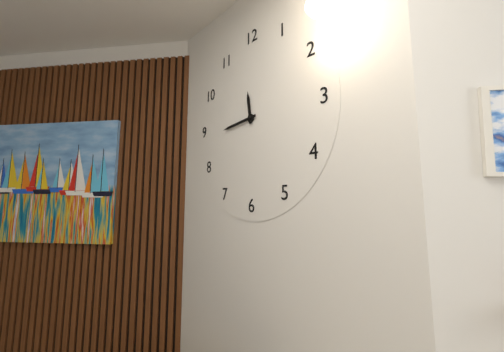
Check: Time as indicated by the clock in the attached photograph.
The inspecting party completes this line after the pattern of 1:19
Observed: 11:44
